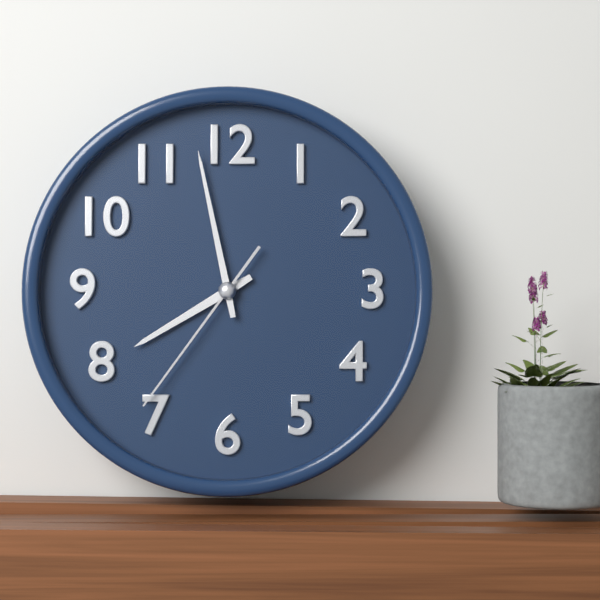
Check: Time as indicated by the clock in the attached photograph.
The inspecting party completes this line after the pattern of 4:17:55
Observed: 7:58:36
